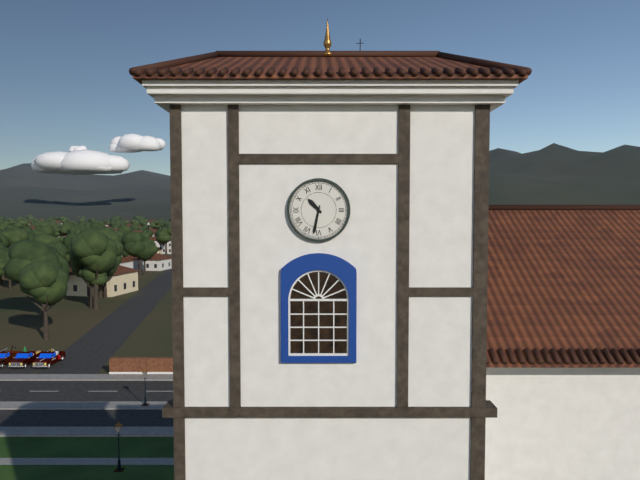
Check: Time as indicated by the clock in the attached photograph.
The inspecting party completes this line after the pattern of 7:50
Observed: 10:32
